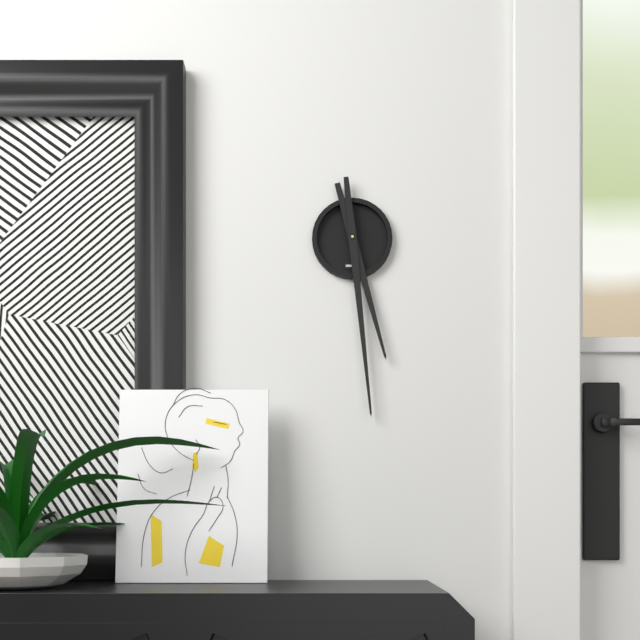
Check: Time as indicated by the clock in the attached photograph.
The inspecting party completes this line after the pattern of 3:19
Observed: 5:29
